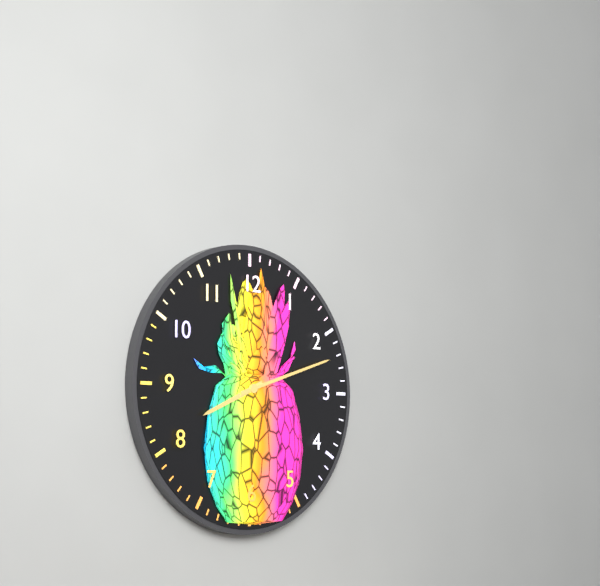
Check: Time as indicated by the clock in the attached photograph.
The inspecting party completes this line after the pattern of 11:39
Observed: 8:12
